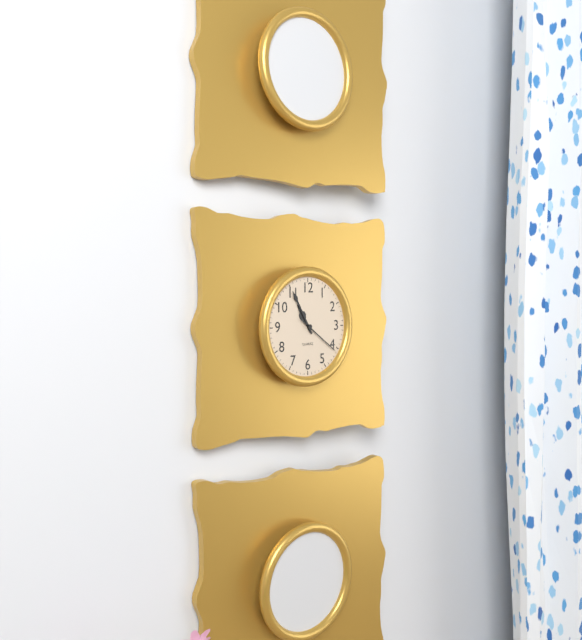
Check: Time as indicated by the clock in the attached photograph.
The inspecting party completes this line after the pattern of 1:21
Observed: 10:55
